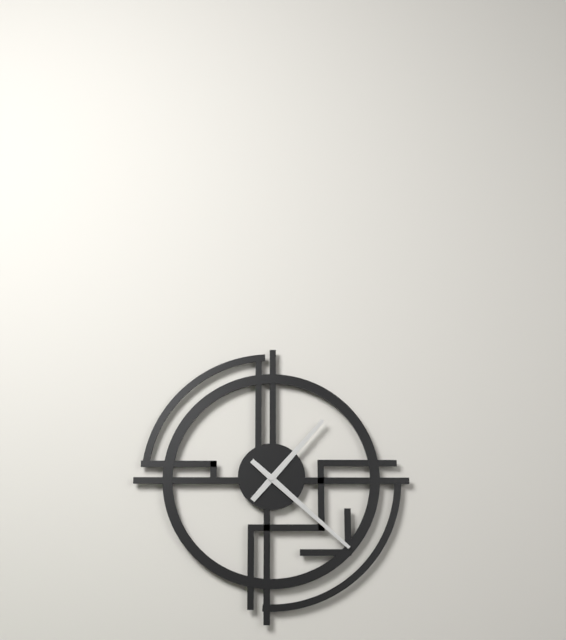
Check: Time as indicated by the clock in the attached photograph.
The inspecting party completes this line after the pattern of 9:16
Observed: 1:22
